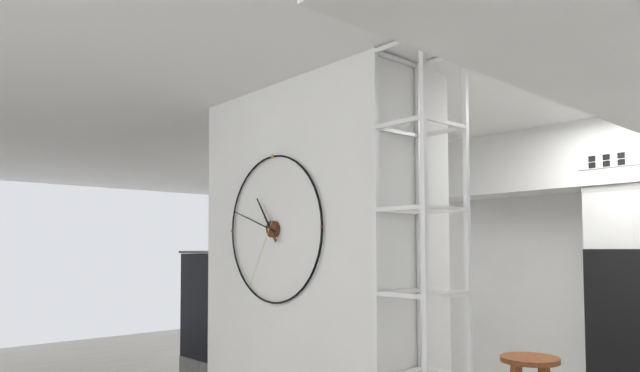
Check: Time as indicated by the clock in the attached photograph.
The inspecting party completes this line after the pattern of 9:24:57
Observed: 10:48:35
